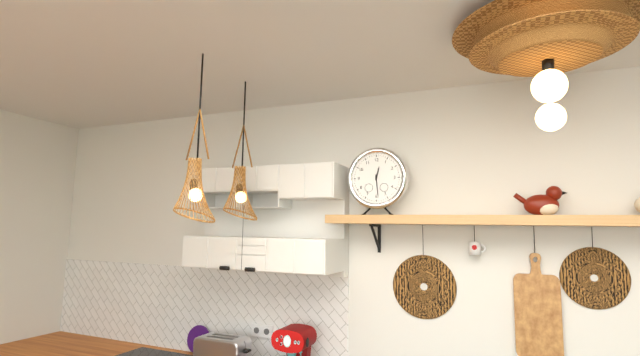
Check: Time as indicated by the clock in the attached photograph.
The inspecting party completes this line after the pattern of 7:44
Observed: 12:29
